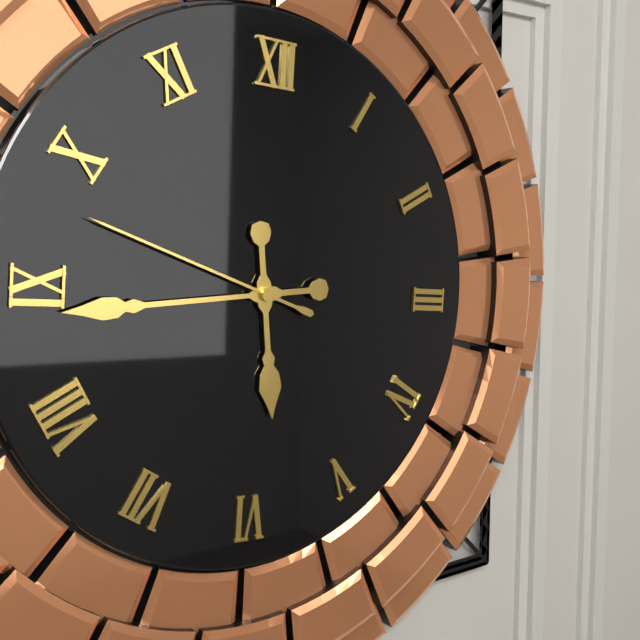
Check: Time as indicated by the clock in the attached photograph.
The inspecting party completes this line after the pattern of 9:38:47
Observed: 5:44:48
